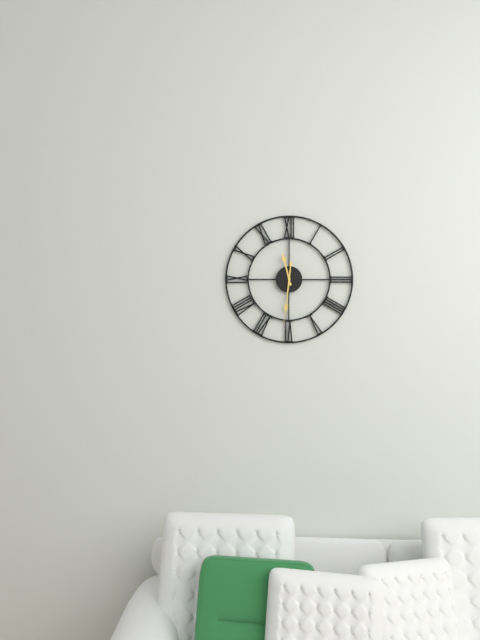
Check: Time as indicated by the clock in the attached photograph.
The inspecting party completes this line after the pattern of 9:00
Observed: 11:31
